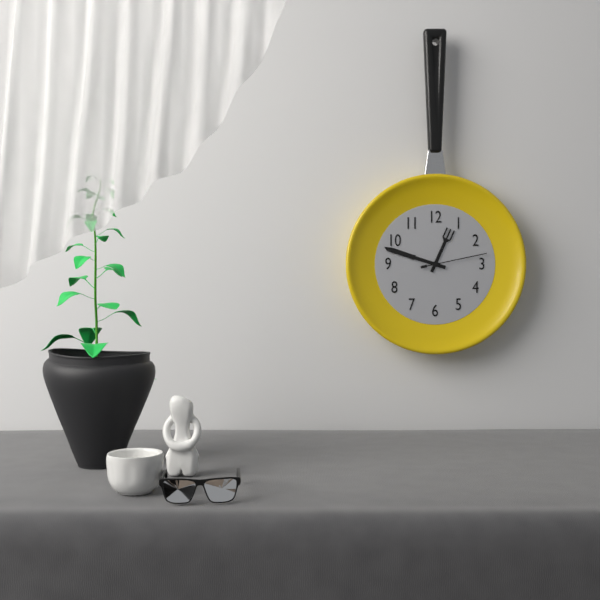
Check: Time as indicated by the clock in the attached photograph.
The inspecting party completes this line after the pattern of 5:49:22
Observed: 12:48:13
